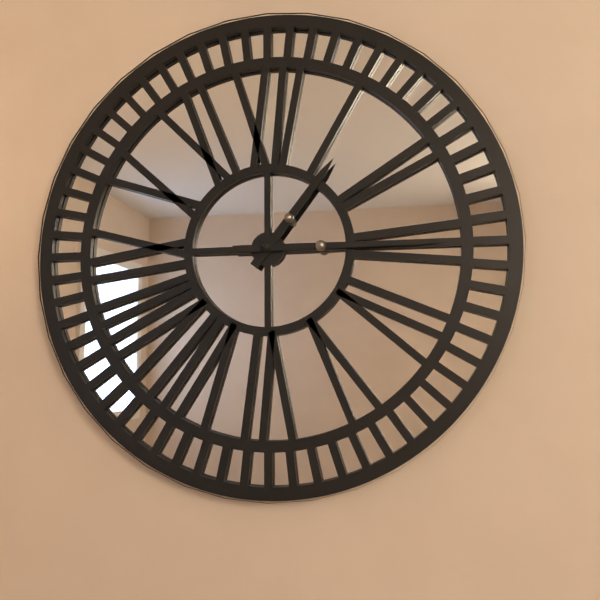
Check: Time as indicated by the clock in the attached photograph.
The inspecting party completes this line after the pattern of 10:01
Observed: 1:15
